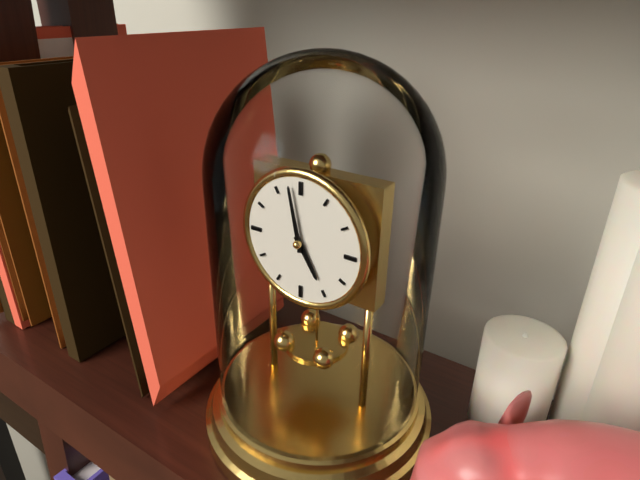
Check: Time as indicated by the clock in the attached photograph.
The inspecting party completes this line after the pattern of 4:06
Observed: 4:58
